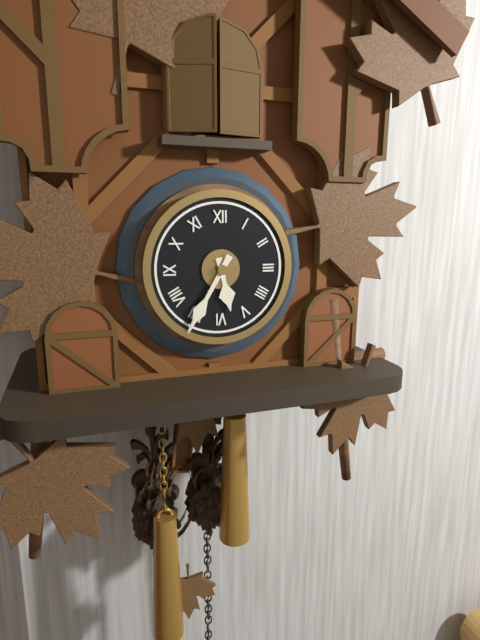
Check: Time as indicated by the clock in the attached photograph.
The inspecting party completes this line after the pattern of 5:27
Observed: 5:35
